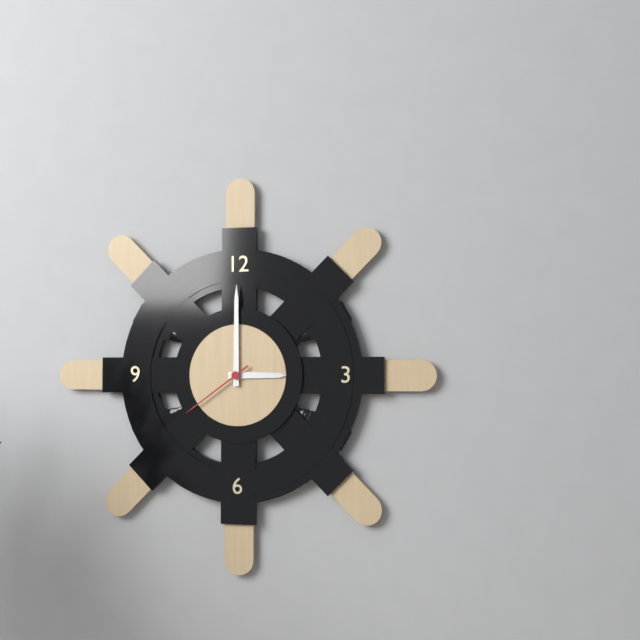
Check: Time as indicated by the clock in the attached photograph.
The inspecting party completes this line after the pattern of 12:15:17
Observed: 3:00:39
